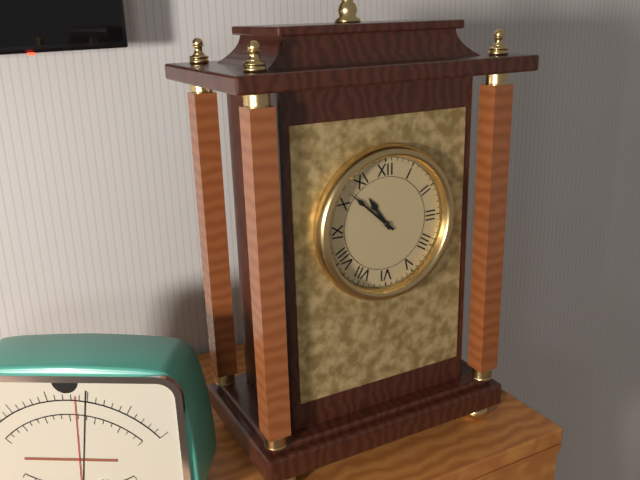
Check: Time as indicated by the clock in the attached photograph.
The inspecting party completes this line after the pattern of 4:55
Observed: 10:52
